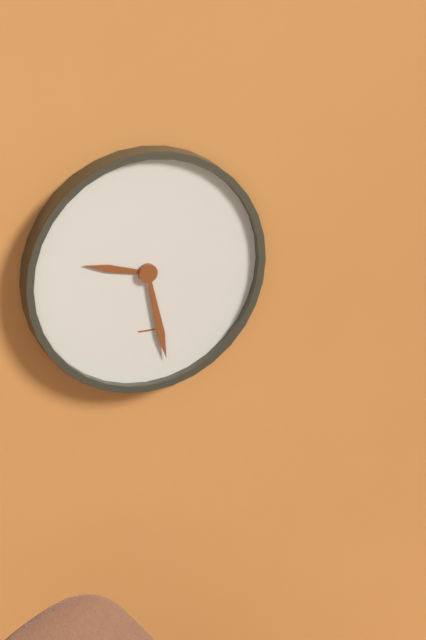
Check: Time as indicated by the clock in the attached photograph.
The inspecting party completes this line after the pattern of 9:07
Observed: 9:28
